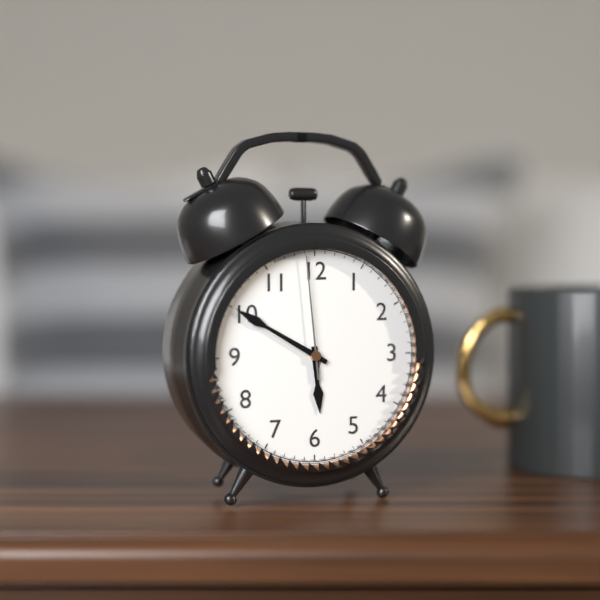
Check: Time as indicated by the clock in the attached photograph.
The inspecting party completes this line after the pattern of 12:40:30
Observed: 5:50:59
